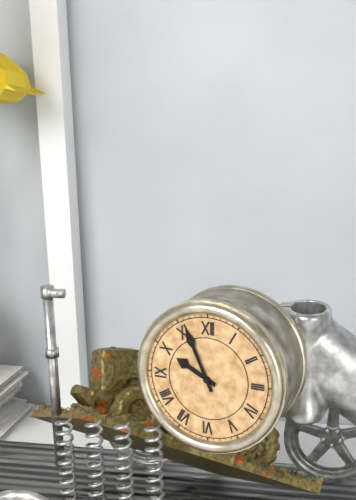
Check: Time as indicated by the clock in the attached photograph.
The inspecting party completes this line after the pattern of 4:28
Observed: 9:56
